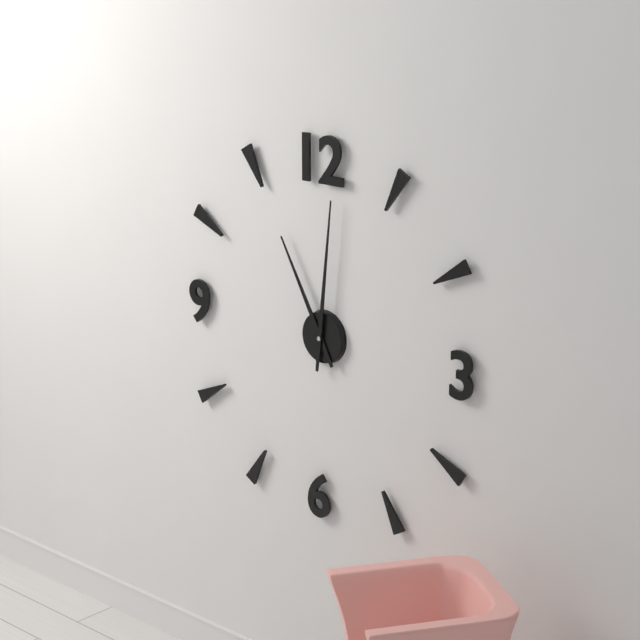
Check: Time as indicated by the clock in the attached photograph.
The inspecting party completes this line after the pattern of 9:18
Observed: 11:01
